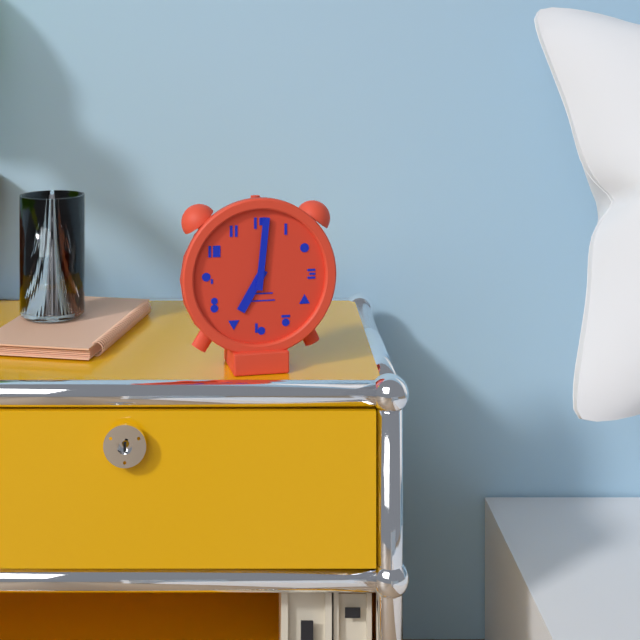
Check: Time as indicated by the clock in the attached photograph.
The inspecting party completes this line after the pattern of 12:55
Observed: 7:01
